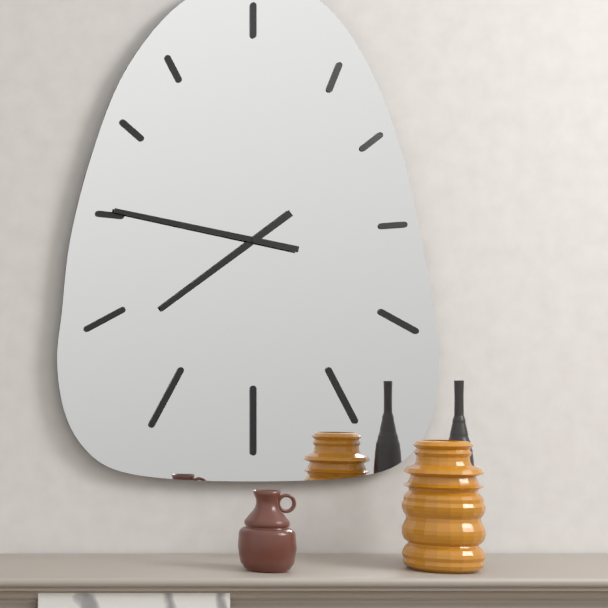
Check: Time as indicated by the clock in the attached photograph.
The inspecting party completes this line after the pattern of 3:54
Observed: 7:47
